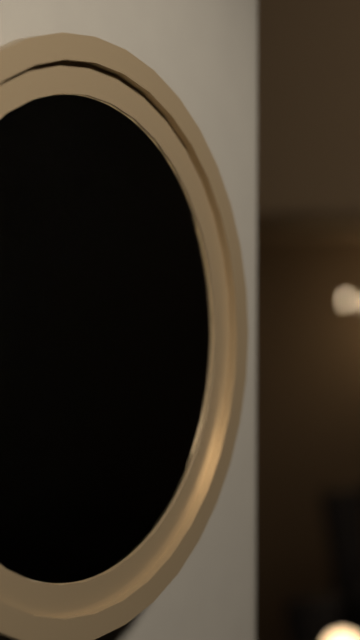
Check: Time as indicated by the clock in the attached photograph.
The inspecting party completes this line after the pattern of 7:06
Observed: 12:56
